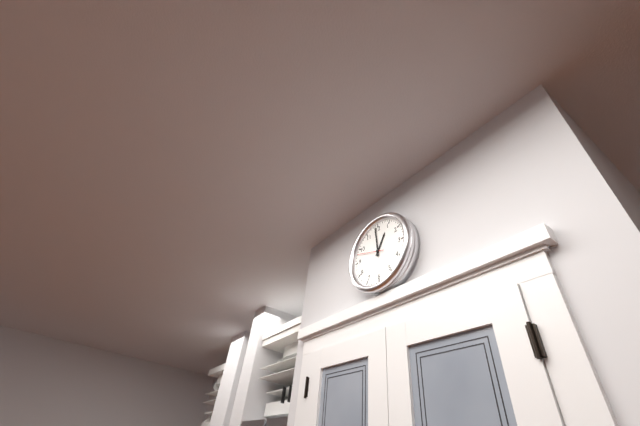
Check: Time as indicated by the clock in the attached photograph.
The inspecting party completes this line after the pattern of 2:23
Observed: 12:59
